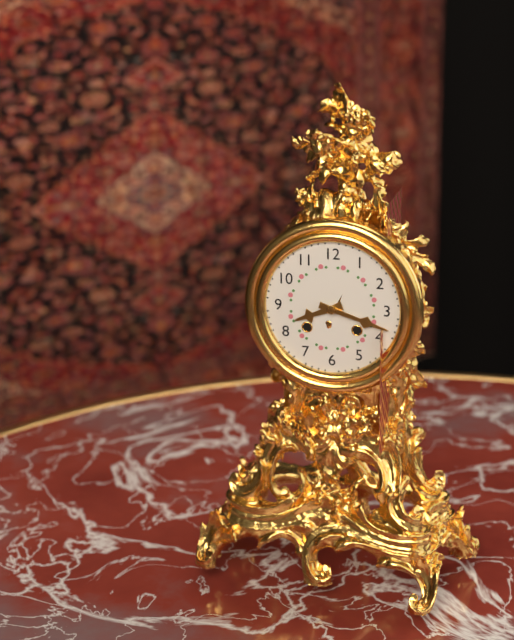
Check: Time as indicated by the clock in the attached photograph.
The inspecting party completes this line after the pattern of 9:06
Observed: 8:18
